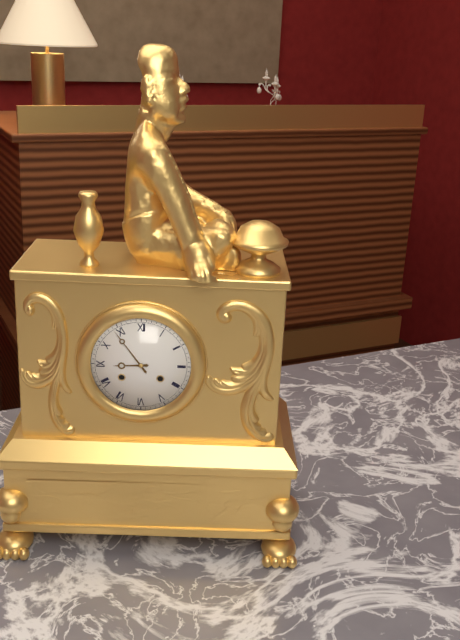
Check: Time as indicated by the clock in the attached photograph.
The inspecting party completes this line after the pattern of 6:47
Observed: 8:54
